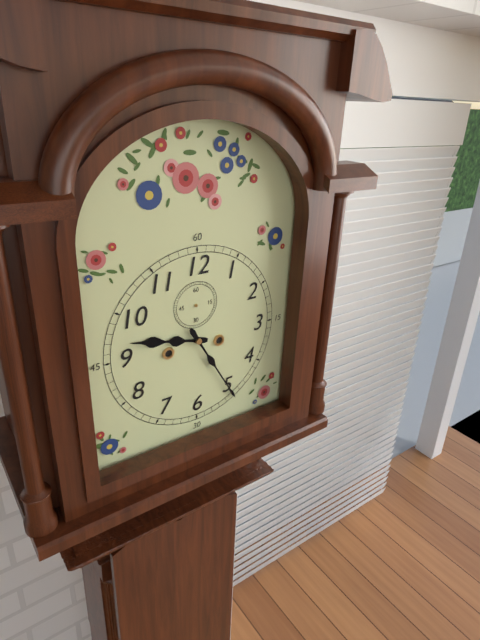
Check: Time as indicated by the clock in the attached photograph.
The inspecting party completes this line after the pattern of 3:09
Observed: 9:25
